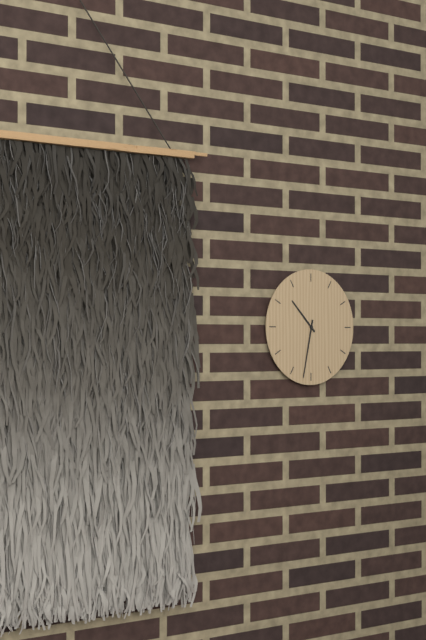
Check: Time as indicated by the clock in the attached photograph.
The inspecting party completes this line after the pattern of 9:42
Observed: 10:32
